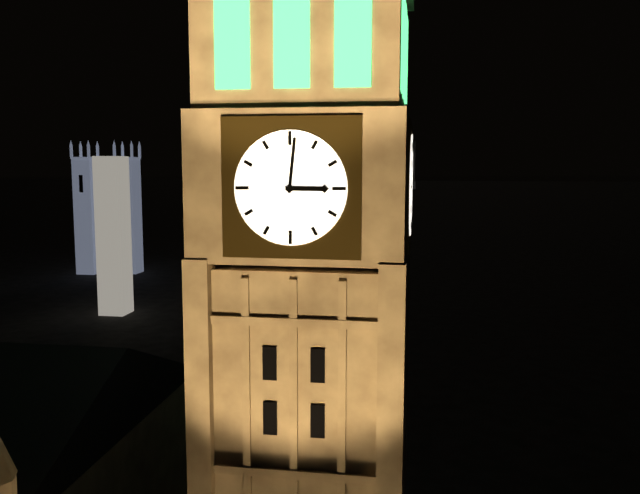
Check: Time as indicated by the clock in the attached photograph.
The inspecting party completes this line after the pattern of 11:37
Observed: 3:01
